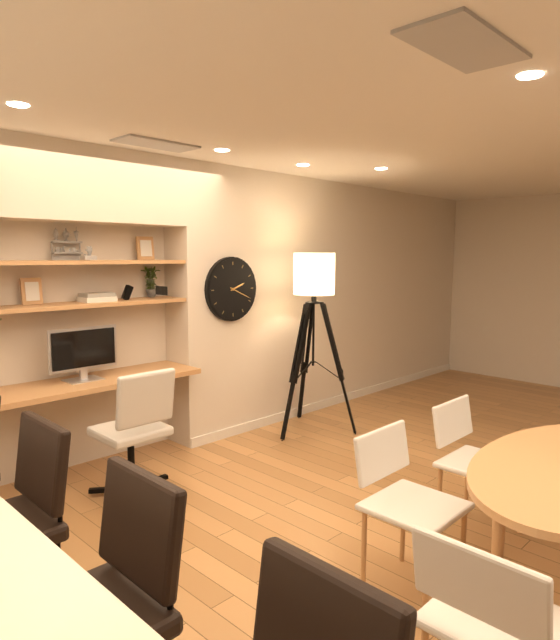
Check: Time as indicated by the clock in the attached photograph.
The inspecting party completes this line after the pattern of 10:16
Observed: 2:19
